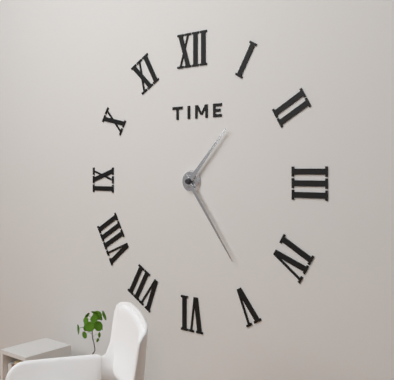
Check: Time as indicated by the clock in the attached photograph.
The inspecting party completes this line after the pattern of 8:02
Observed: 1:24
